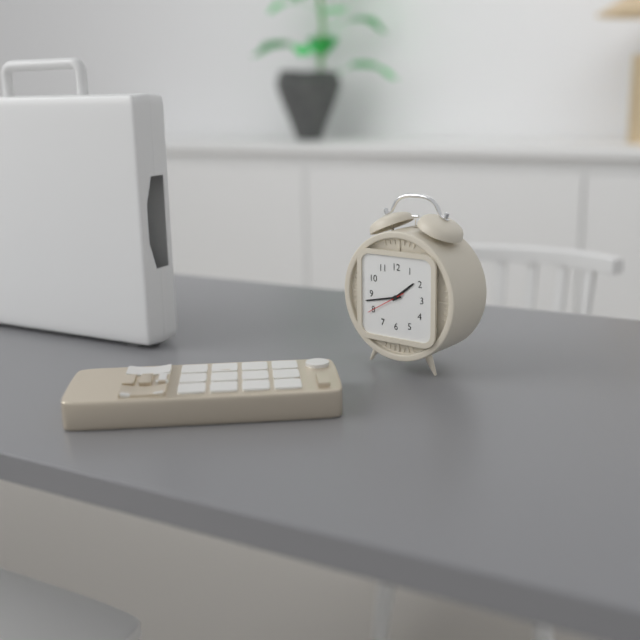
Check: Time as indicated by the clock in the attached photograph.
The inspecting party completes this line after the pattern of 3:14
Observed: 1:43
